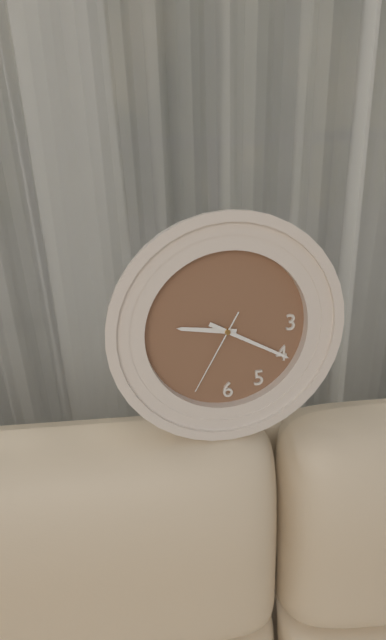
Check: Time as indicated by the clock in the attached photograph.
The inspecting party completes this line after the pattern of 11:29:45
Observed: 9:20:35
